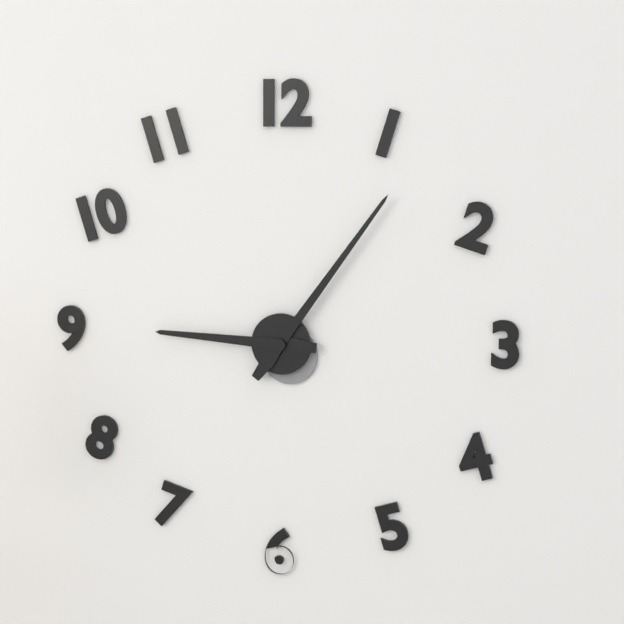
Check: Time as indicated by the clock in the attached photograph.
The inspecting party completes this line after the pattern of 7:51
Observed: 9:06
